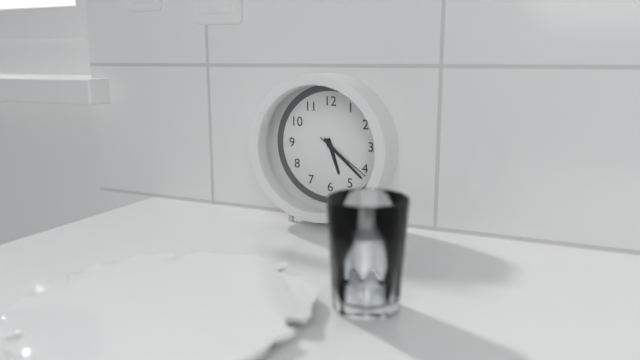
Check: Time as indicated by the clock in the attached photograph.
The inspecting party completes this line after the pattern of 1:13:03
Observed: 5:22:21
